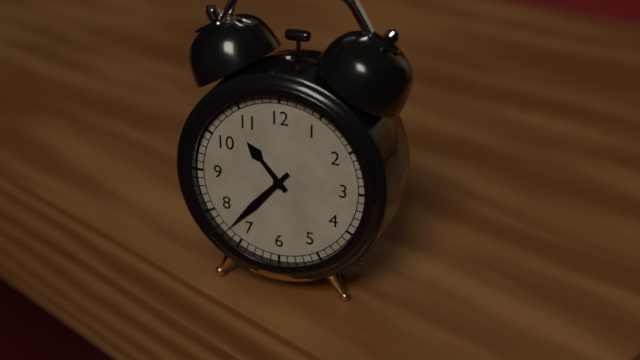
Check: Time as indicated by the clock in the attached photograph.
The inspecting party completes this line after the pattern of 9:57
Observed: 10:37
